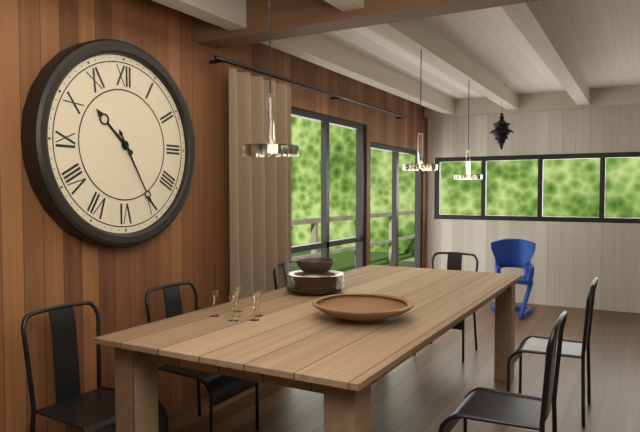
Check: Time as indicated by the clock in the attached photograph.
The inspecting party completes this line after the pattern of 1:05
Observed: 10:25
